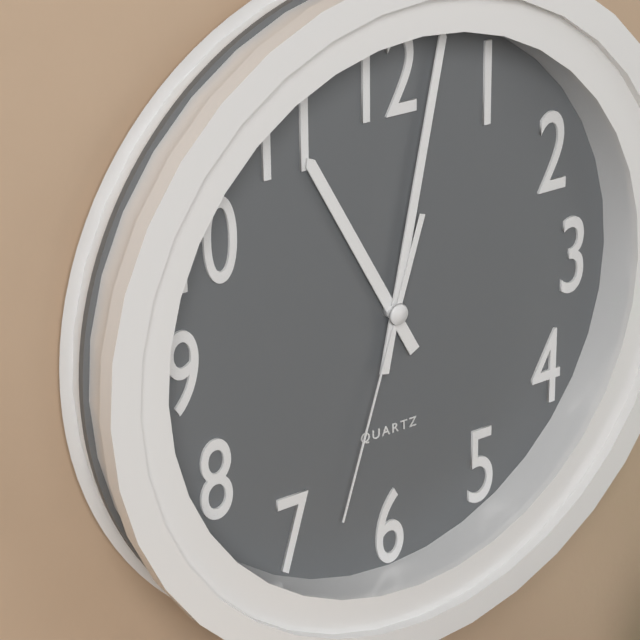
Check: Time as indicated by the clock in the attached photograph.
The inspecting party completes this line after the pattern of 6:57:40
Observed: 11:02:33
